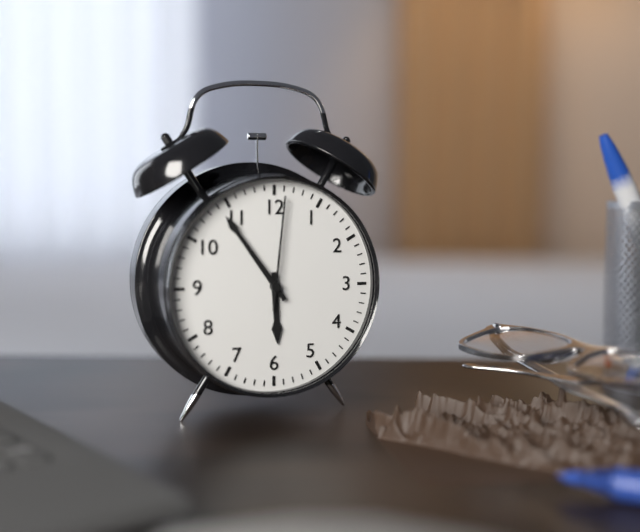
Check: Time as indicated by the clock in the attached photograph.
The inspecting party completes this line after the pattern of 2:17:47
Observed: 5:54:01
